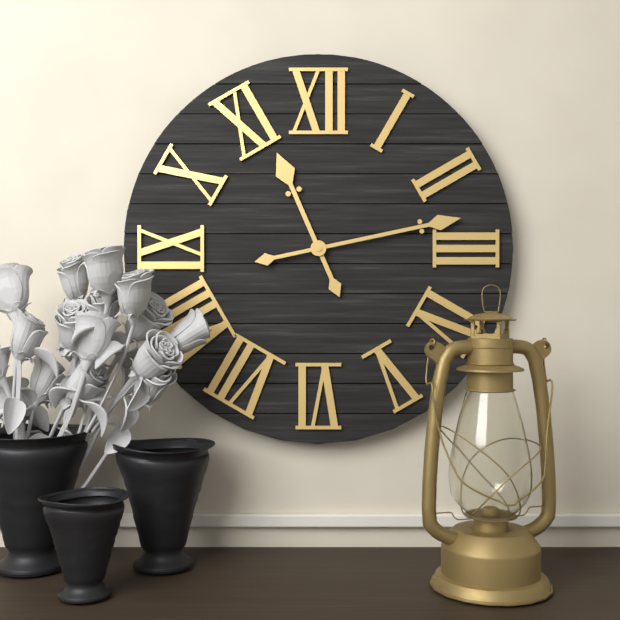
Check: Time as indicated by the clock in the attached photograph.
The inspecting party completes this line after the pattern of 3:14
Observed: 11:13
